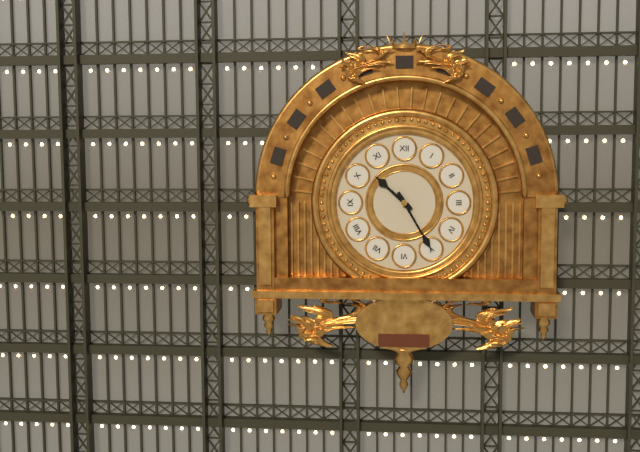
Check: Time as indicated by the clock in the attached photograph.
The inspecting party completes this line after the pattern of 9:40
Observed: 10:25
